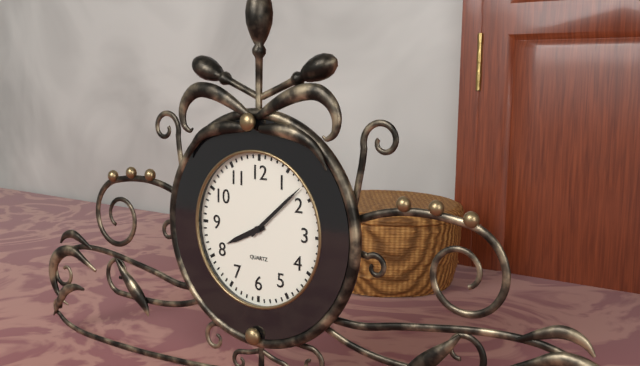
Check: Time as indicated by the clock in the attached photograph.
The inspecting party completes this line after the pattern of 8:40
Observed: 8:08
